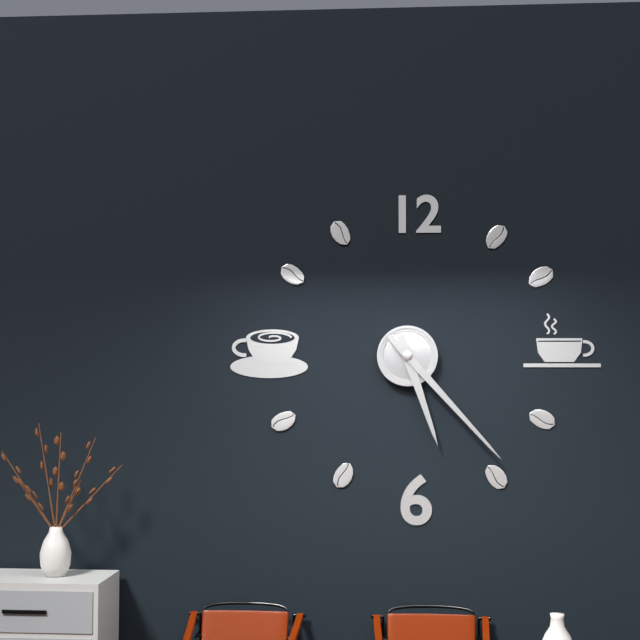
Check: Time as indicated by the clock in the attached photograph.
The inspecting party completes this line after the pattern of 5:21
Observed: 5:23
